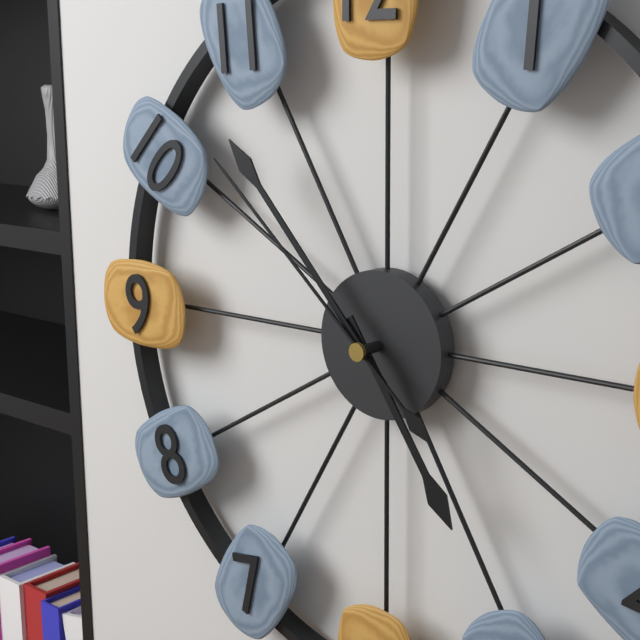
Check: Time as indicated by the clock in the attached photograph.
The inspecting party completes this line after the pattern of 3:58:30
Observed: 4:53:52
